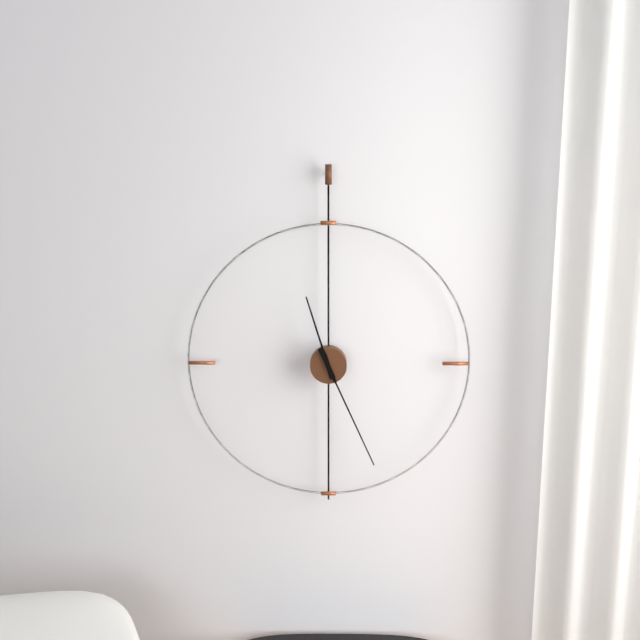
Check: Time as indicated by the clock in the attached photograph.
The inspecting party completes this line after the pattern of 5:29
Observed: 11:26
